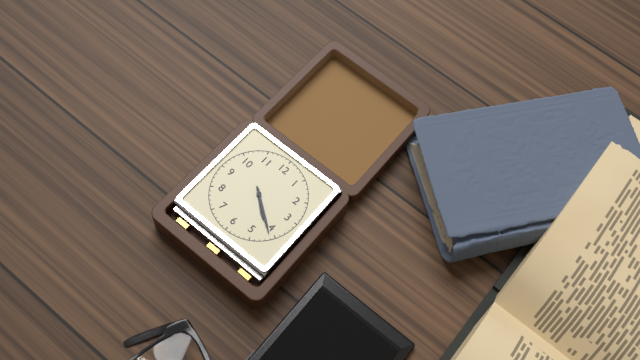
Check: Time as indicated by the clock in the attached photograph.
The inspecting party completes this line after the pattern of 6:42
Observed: 4:21
